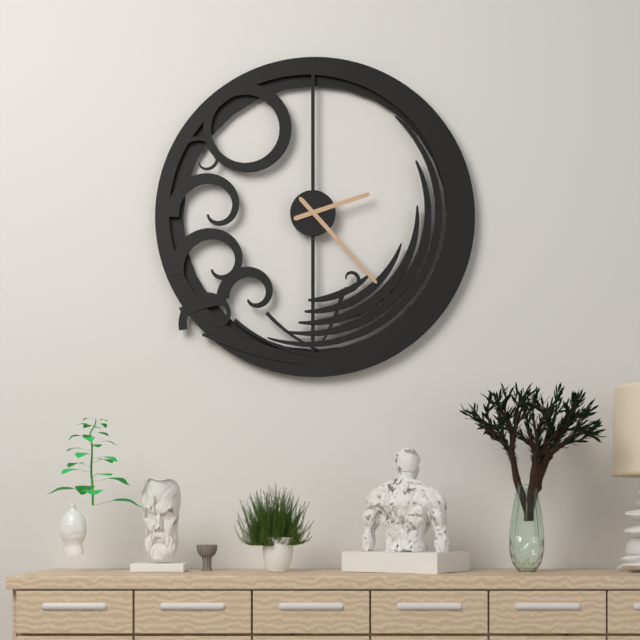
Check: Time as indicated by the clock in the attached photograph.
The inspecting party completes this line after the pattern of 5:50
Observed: 2:23
